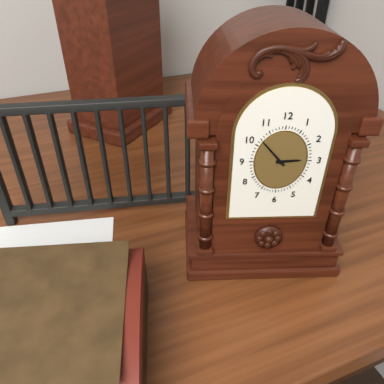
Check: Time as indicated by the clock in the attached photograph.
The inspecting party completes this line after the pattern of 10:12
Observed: 2:53
